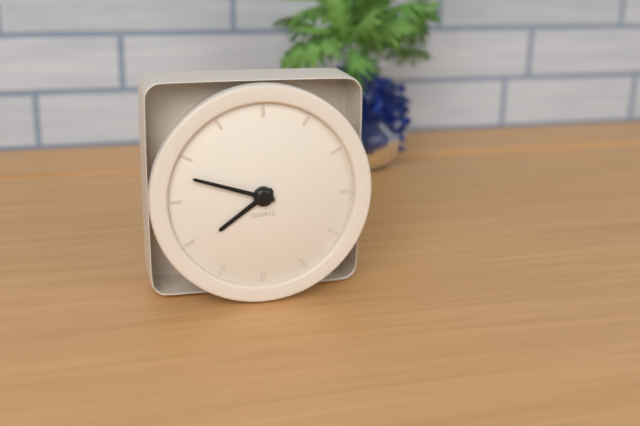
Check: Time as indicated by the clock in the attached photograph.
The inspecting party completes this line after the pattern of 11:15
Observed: 7:48
